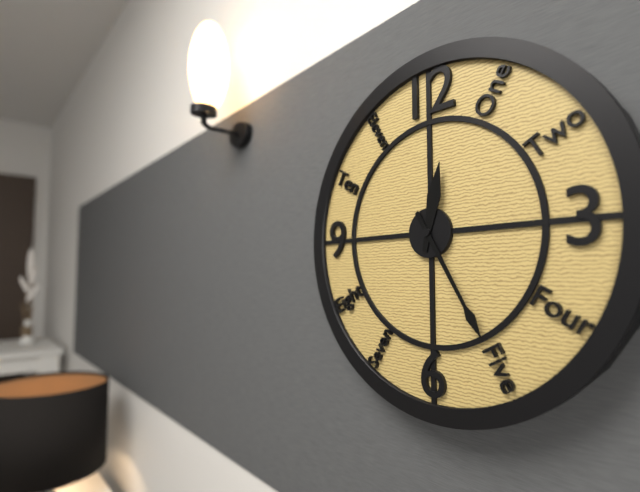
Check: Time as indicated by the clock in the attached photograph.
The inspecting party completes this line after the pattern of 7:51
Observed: 12:25
